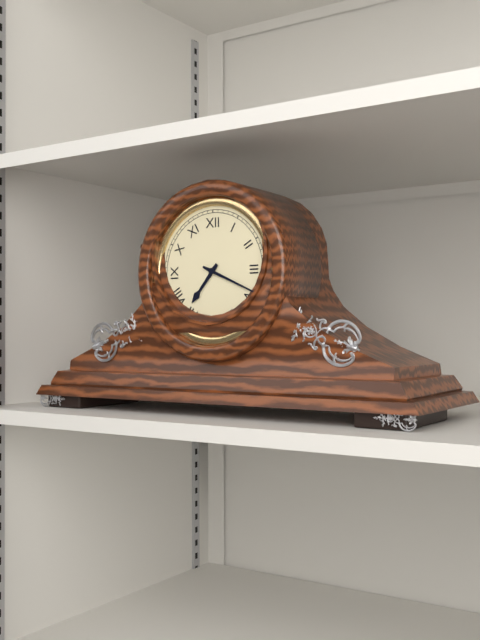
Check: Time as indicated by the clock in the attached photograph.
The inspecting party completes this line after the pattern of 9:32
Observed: 7:19
